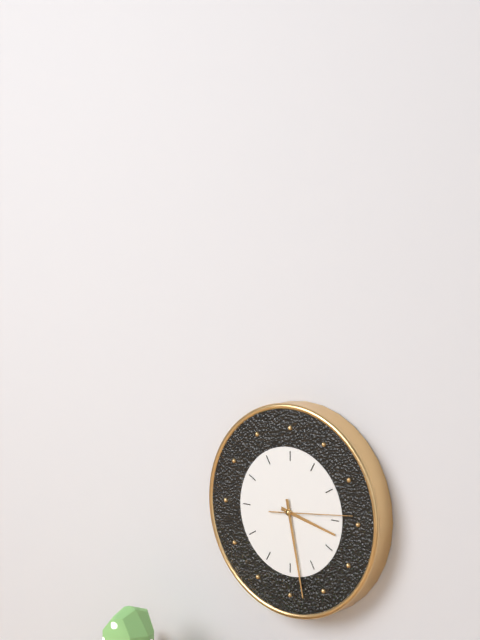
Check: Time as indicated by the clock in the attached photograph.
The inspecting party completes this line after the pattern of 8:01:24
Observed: 3:28:14
